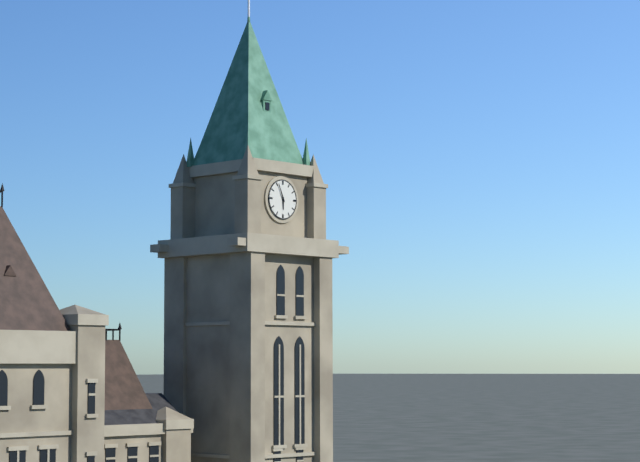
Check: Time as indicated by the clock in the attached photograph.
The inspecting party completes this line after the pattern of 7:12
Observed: 5:56
